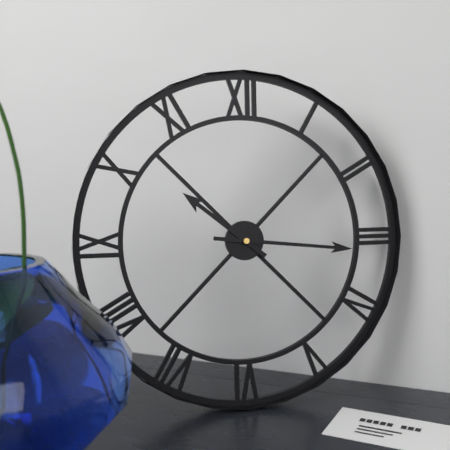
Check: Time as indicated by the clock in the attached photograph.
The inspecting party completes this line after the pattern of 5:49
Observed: 10:16
